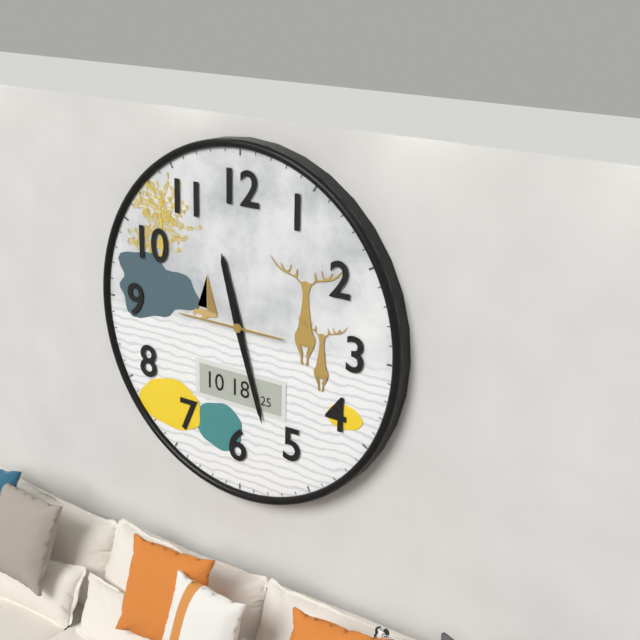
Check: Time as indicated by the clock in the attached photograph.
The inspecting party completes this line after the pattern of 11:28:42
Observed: 11:27:45
